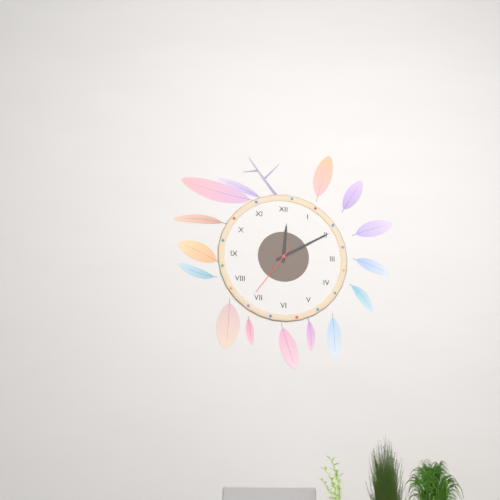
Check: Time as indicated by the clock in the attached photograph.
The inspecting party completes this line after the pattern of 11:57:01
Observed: 12:10:36
